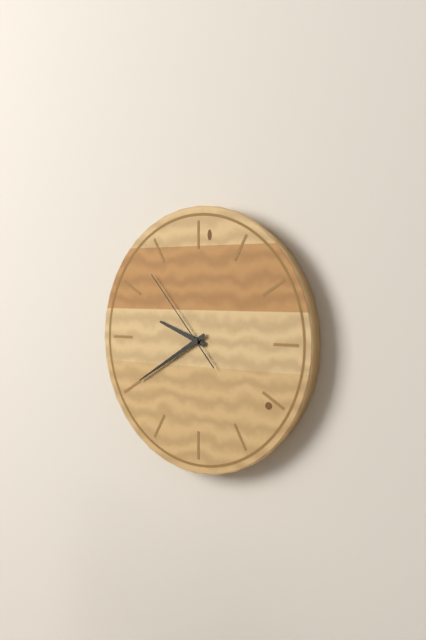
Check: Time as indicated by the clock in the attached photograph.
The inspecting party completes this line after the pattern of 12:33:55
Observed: 9:40:53
